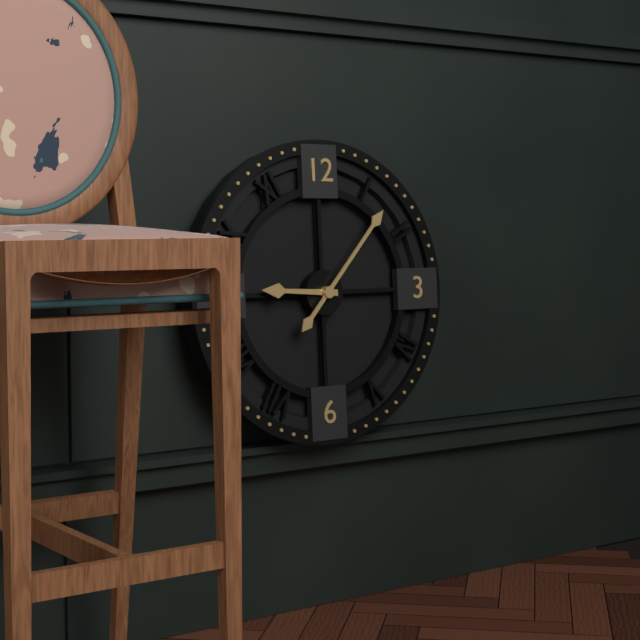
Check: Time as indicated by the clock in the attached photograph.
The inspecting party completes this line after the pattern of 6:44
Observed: 9:07
